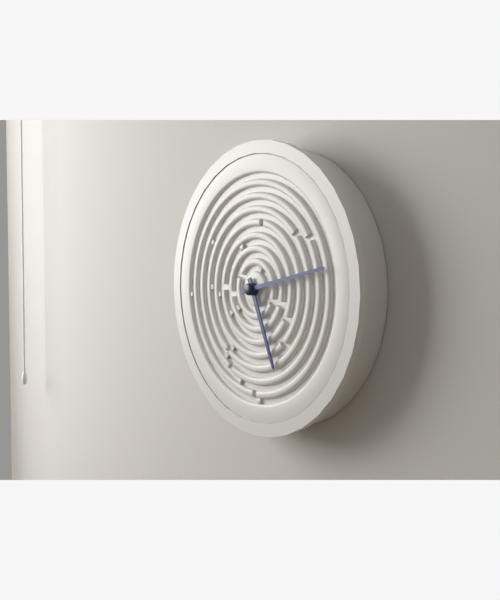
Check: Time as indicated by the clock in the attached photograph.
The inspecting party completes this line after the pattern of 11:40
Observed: 5:13
